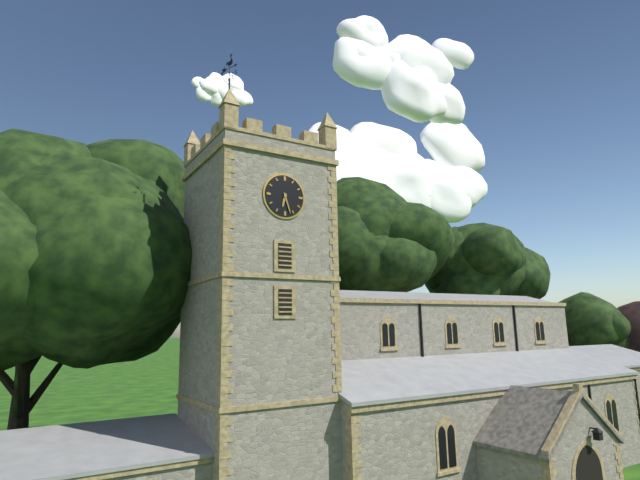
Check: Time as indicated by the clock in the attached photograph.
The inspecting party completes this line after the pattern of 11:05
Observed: 6:27
